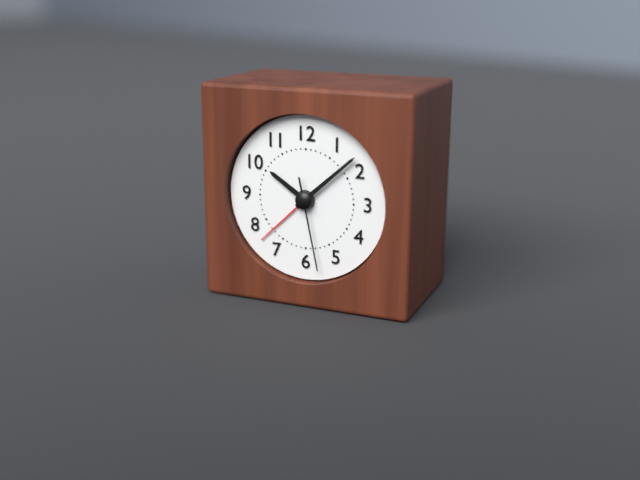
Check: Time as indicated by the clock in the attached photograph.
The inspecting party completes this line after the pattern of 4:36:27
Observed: 10:08:28
